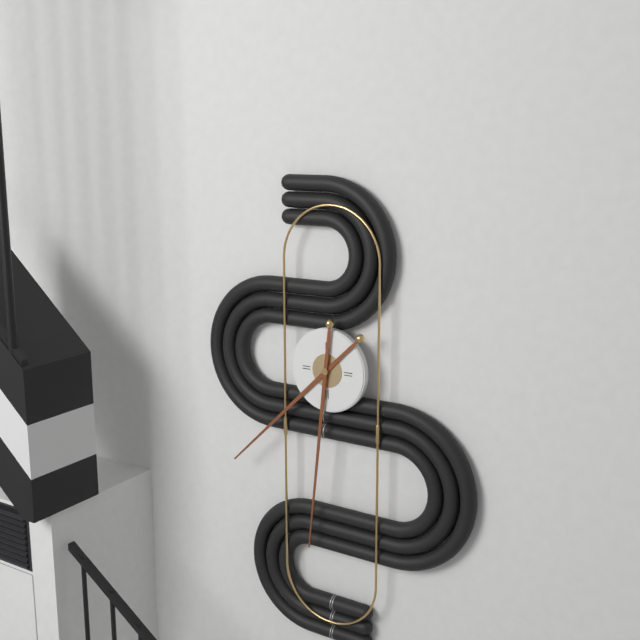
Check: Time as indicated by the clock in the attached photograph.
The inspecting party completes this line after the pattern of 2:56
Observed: 7:31
